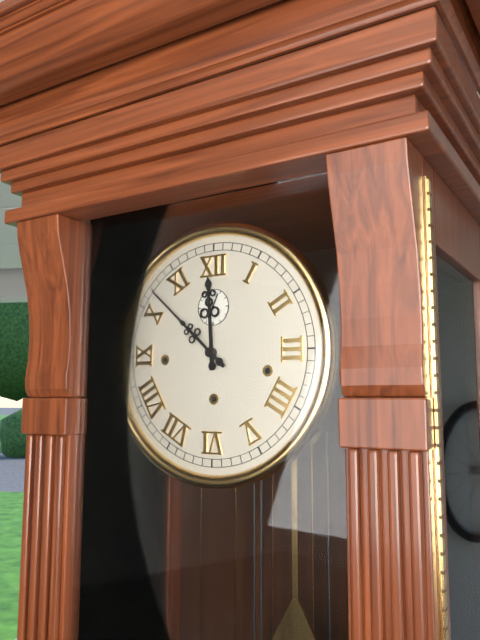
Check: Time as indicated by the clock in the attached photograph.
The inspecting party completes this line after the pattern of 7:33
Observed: 11:52
